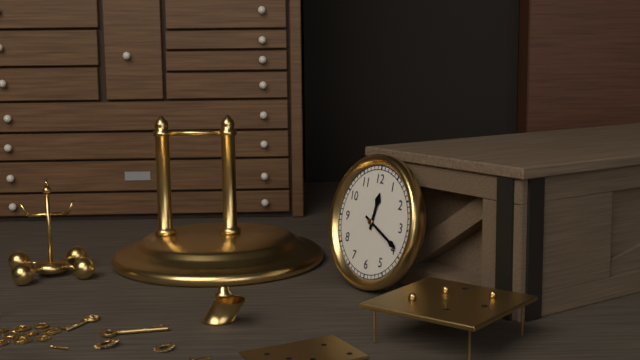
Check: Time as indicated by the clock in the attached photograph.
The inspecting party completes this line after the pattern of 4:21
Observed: 12:19
